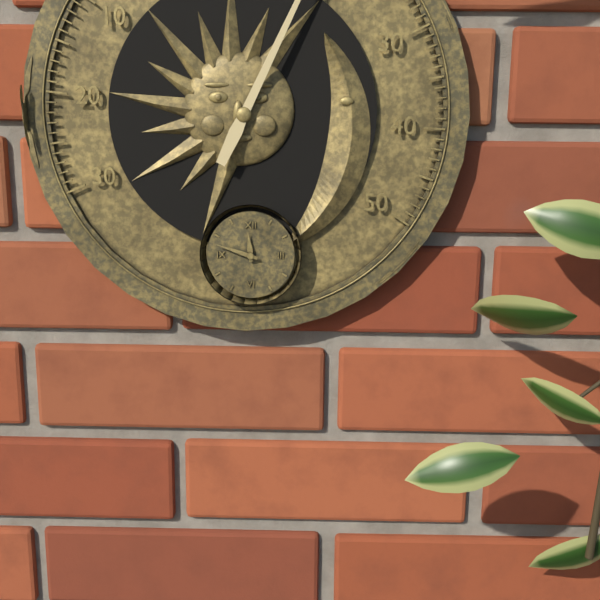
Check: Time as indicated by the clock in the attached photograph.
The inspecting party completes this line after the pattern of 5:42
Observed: 11:48
